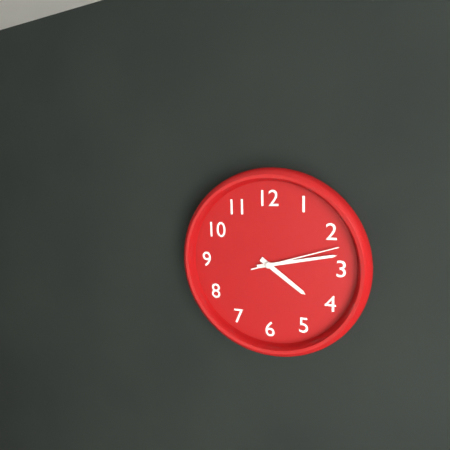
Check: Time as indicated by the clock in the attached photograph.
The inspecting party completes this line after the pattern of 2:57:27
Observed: 4:13:12
